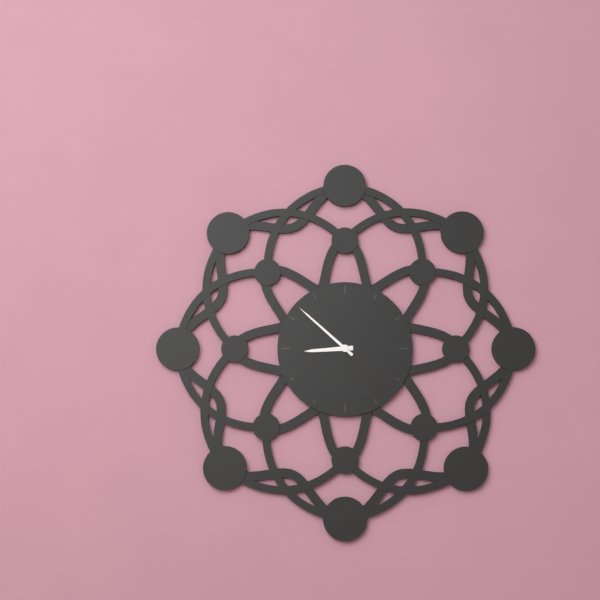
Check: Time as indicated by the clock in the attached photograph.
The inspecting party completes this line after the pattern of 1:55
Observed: 8:52
